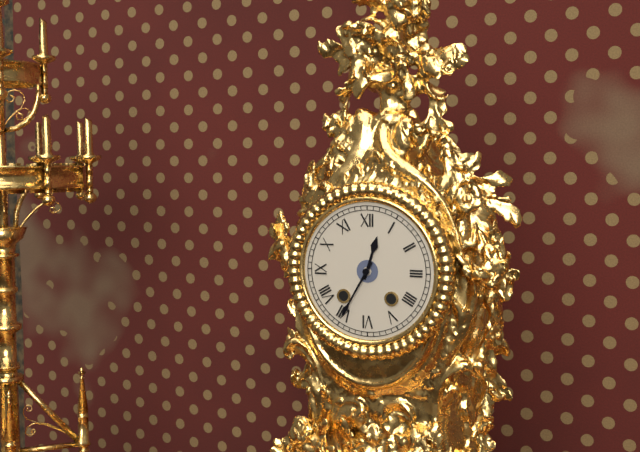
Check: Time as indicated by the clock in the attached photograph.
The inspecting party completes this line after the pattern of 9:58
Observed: 12:35
